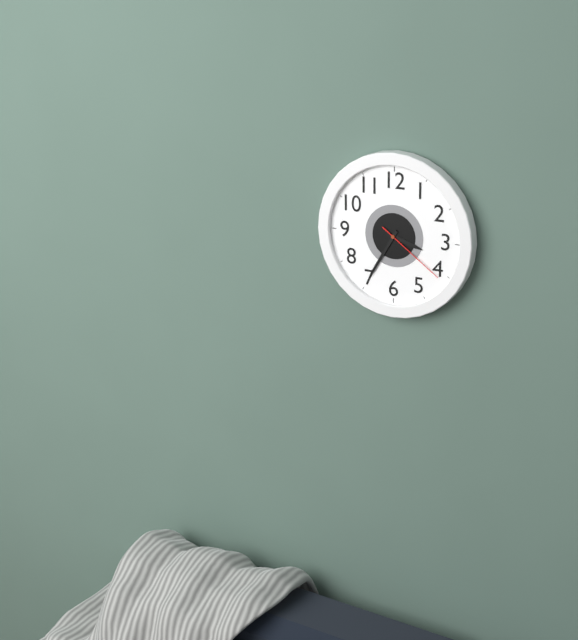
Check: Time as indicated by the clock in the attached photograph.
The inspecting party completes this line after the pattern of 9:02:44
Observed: 3:35:21
